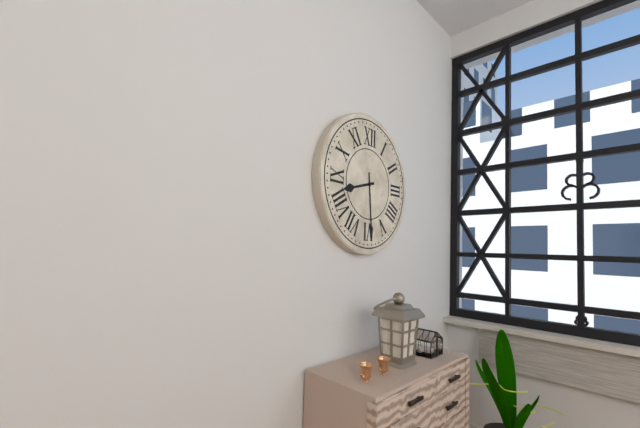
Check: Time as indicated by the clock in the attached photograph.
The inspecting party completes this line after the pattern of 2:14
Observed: 8:29
